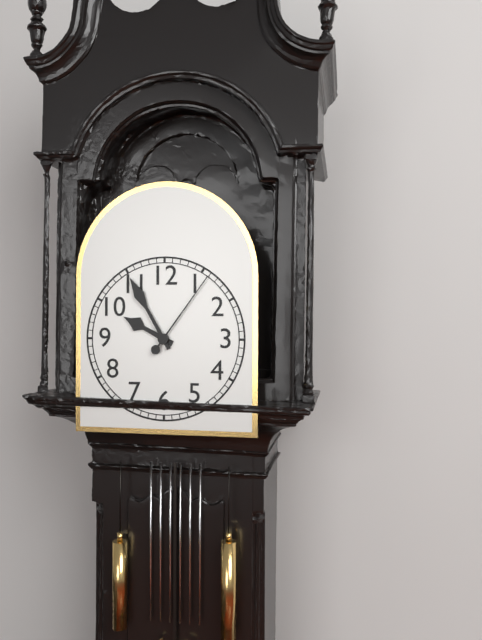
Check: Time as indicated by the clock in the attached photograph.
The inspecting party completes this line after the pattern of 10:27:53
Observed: 9:55:06
